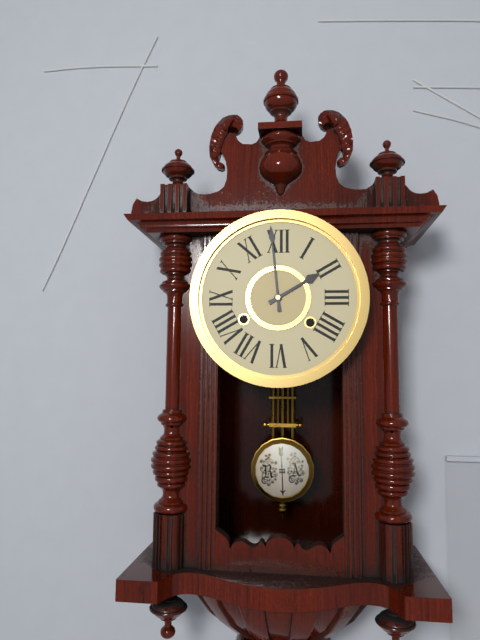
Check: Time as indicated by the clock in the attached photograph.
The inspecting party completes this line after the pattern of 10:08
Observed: 1:59
